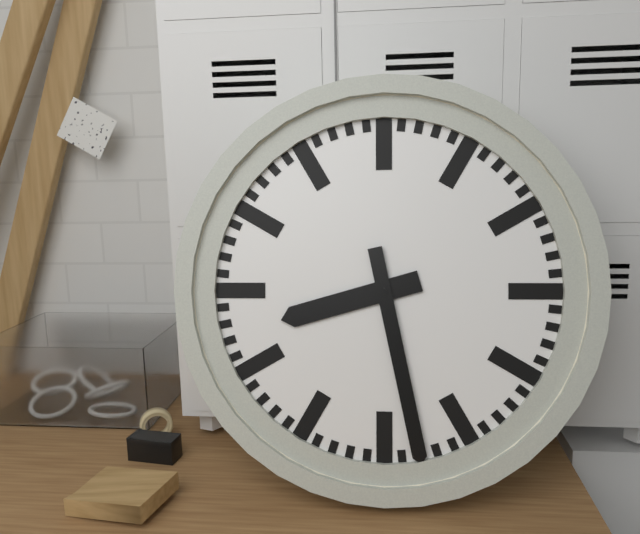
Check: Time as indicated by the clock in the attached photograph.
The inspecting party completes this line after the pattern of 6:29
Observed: 8:28
